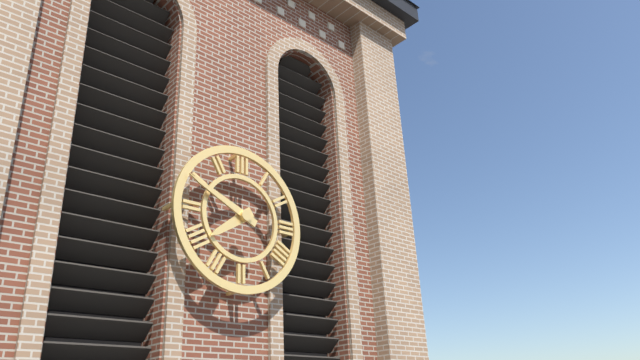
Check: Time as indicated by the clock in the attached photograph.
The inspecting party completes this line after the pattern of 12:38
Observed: 7:49
